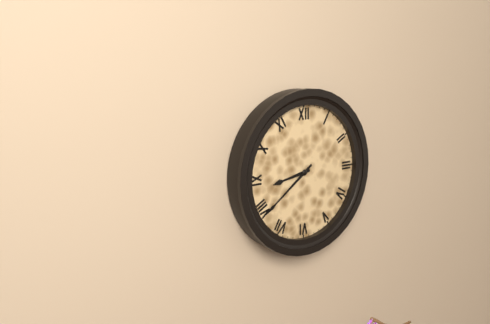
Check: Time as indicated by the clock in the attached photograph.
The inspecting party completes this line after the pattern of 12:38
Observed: 8:39
